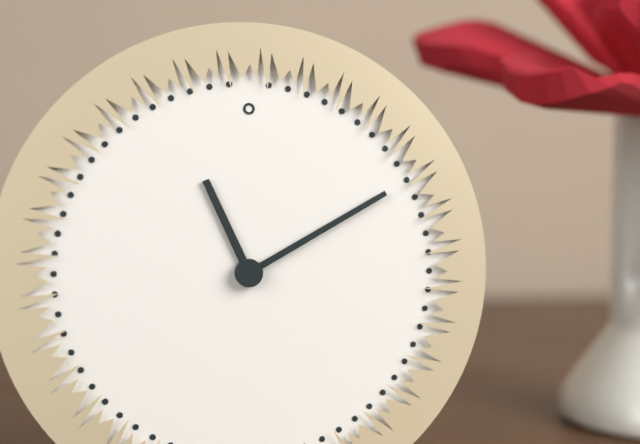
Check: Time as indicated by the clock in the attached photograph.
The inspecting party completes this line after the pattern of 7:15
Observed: 11:10
